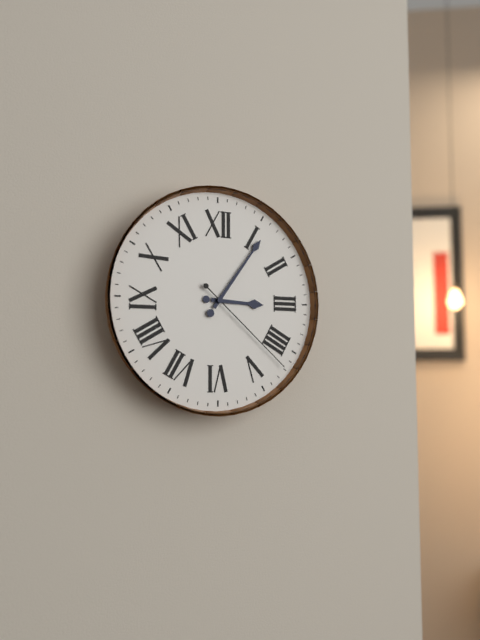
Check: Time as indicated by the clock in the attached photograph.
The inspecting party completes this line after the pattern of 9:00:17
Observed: 3:06:22
